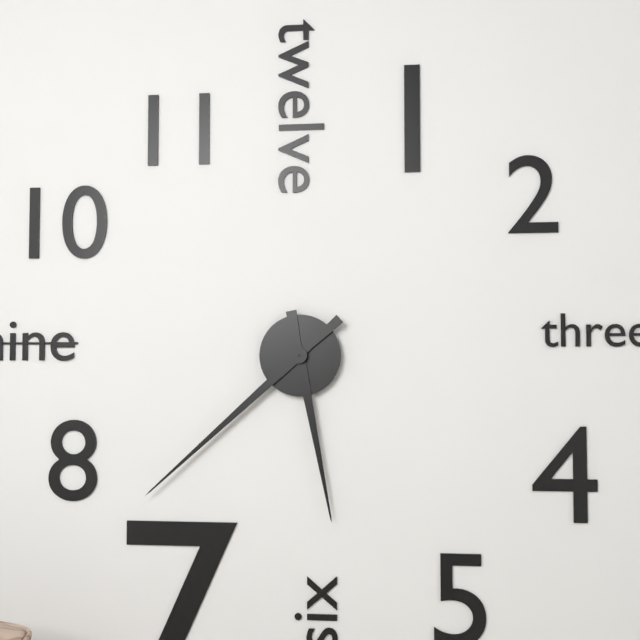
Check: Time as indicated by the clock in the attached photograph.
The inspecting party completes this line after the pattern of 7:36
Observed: 5:38
